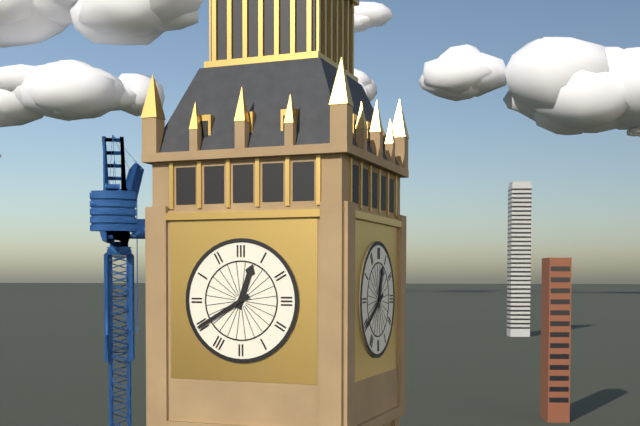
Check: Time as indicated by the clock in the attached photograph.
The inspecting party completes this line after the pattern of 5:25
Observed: 12:40
